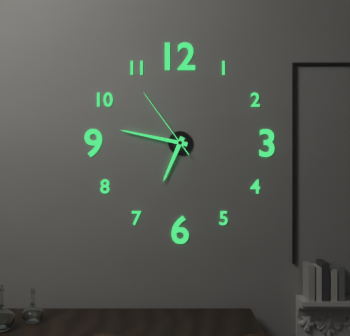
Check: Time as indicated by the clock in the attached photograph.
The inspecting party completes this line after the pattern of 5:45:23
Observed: 6:47:54
